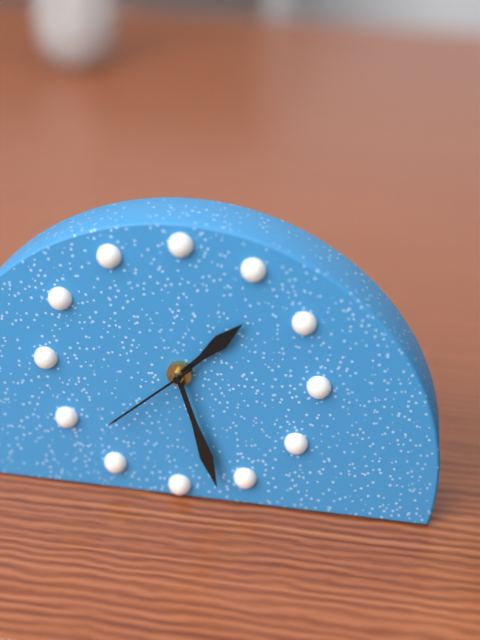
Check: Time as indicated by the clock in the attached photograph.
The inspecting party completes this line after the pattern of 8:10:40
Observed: 1:27:38
